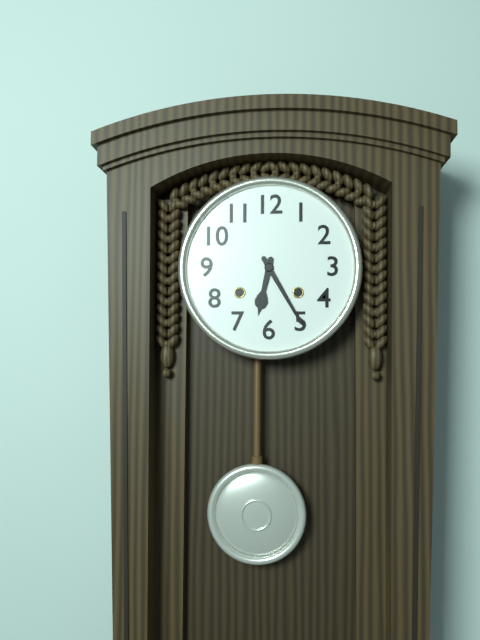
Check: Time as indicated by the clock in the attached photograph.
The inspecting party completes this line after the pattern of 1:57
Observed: 6:25
